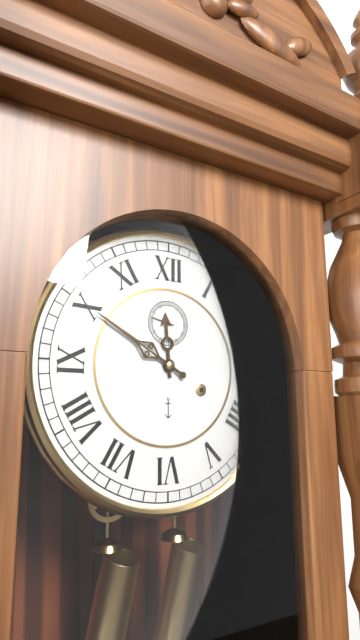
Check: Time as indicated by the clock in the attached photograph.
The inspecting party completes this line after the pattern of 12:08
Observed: 11:50
